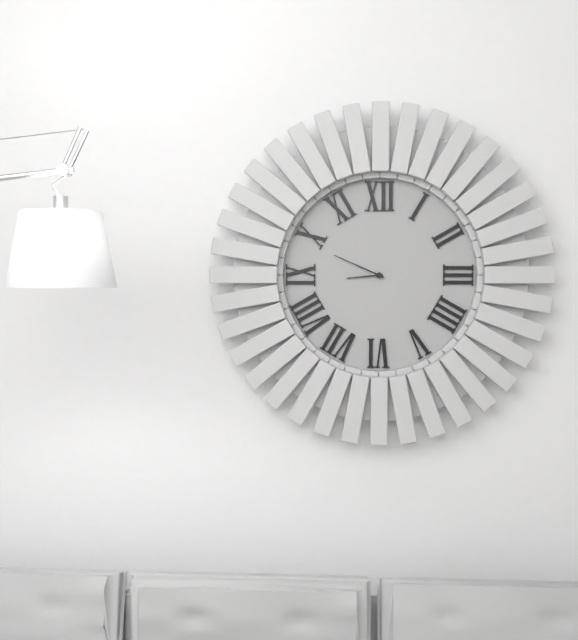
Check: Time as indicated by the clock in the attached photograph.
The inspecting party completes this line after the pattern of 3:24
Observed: 8:49
